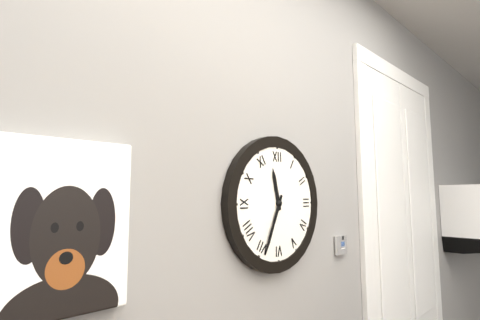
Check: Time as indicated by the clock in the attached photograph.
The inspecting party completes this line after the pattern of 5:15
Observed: 11:34
